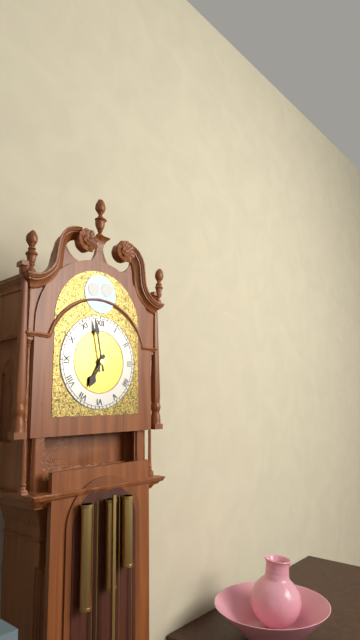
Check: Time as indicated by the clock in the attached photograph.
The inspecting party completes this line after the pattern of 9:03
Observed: 6:58
